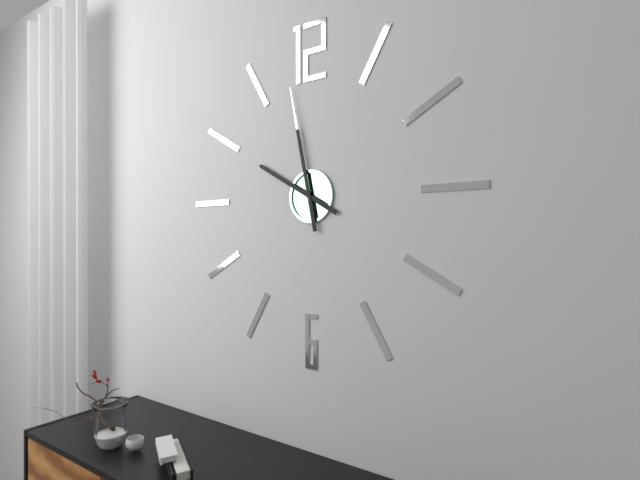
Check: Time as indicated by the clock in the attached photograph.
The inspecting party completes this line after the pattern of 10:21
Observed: 9:58
